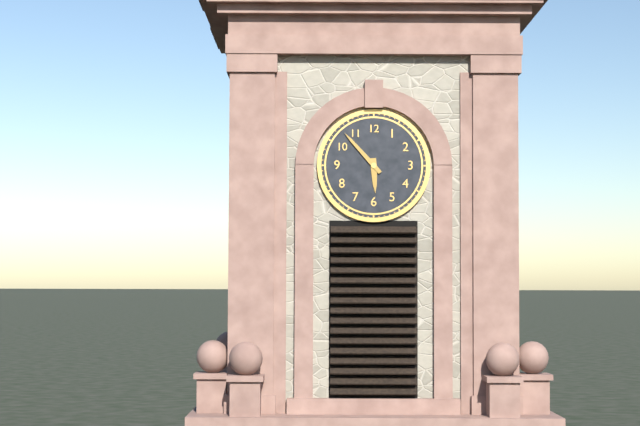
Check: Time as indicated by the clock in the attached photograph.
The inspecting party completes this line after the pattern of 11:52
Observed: 5:53
